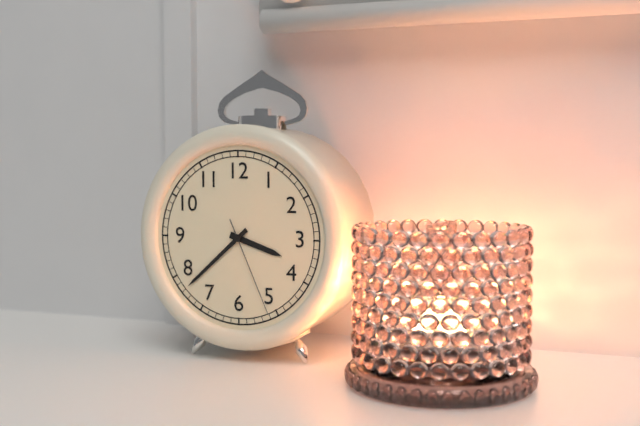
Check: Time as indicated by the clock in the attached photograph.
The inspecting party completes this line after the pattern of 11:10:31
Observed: 3:38:26
